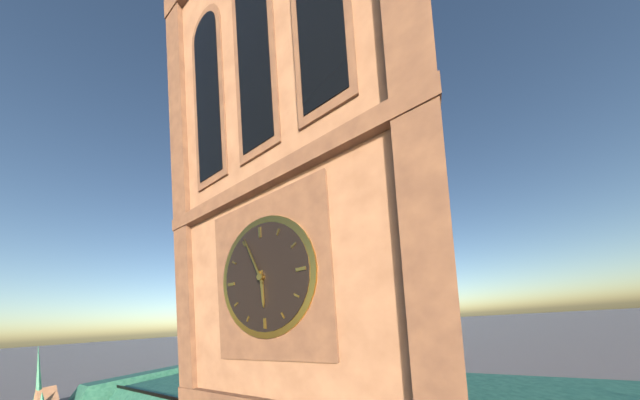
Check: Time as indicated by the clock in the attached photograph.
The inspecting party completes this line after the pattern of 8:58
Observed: 5:56
